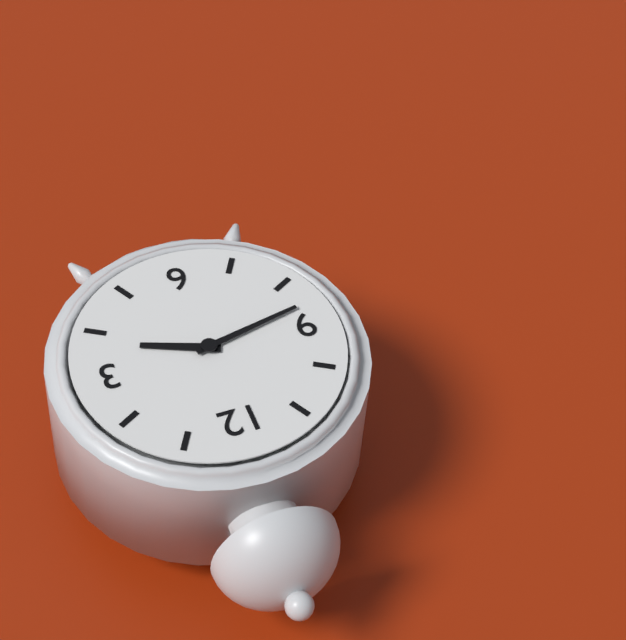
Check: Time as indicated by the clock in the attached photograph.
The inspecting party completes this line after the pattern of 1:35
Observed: 3:43
